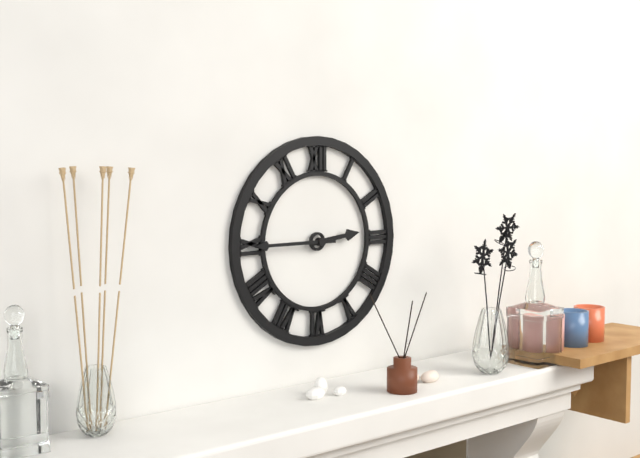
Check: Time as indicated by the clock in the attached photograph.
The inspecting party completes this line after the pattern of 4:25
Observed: 2:45
